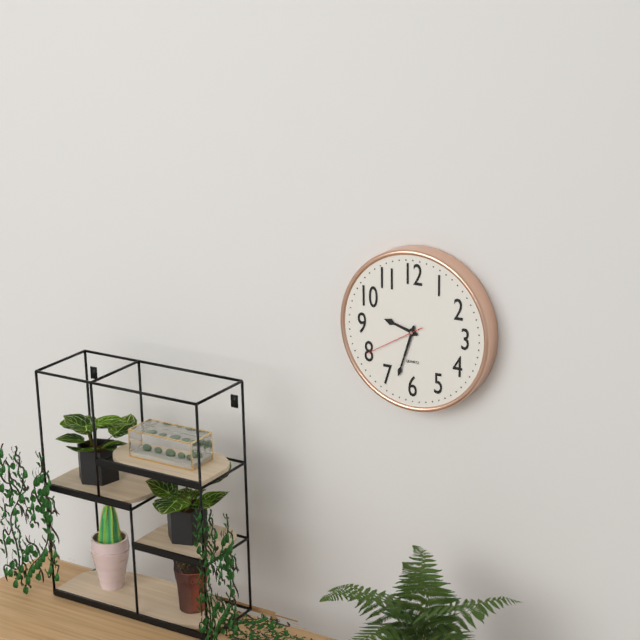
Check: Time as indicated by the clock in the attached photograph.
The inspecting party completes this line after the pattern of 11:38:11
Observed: 9:33:40
